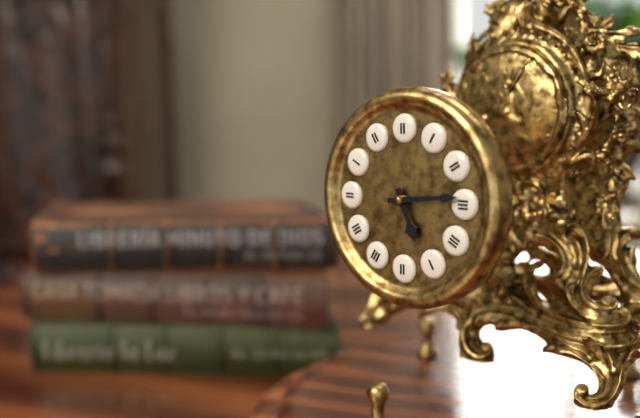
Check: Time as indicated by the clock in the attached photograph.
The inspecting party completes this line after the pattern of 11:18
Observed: 5:14
